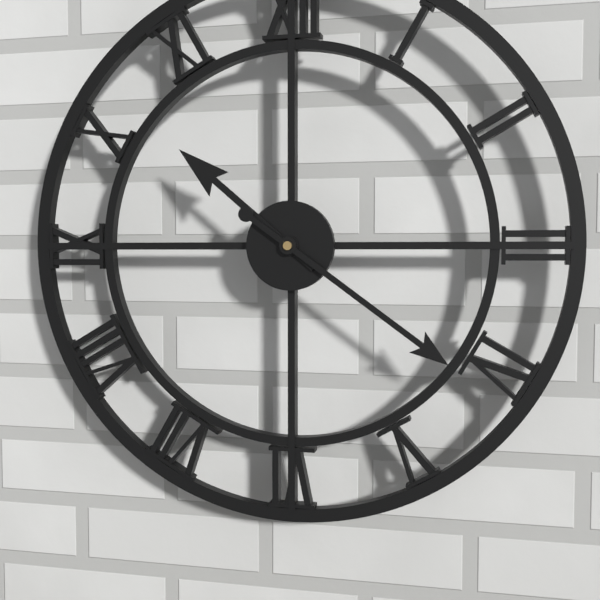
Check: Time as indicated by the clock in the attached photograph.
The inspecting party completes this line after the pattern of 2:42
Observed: 10:21
